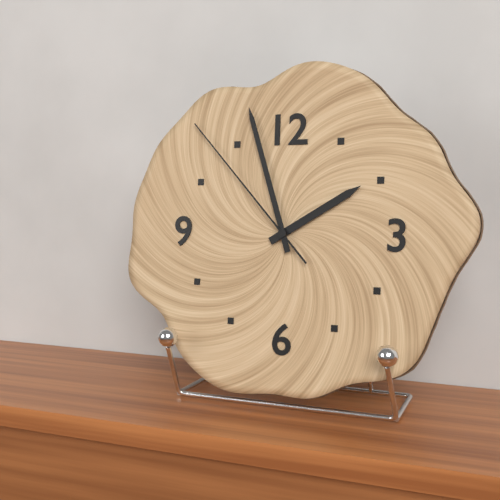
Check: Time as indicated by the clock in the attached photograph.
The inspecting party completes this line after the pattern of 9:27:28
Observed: 1:57:53
